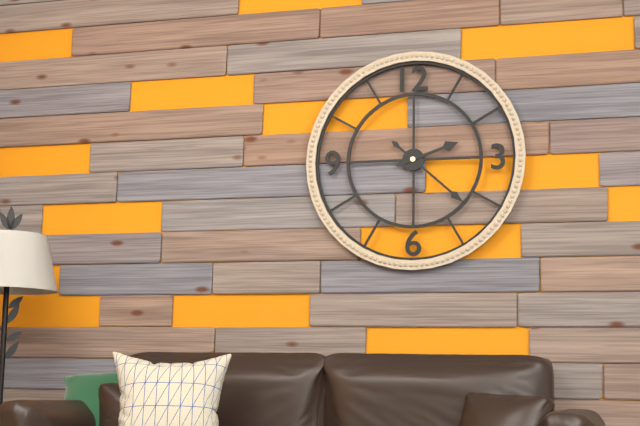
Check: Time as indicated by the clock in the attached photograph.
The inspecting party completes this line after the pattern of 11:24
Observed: 2:22
